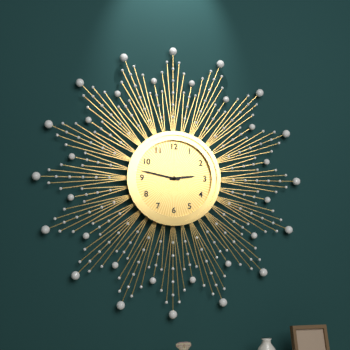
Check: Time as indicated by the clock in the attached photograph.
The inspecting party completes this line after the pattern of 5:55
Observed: 2:47
